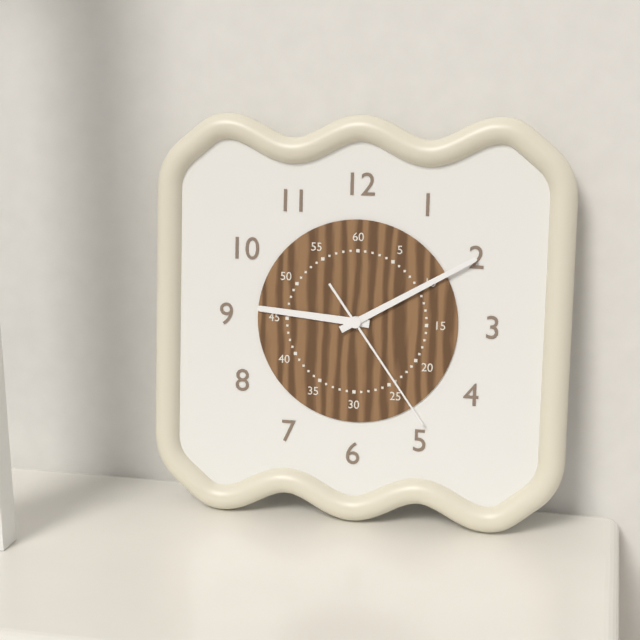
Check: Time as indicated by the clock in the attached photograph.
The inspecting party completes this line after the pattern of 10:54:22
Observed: 9:10:24
